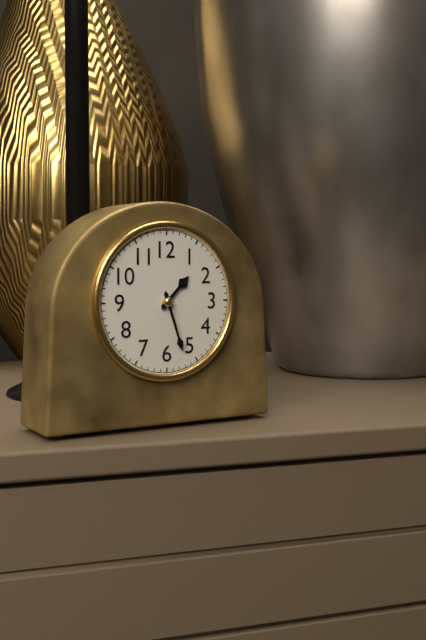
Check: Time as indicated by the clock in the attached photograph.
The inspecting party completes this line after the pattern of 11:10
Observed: 1:27
